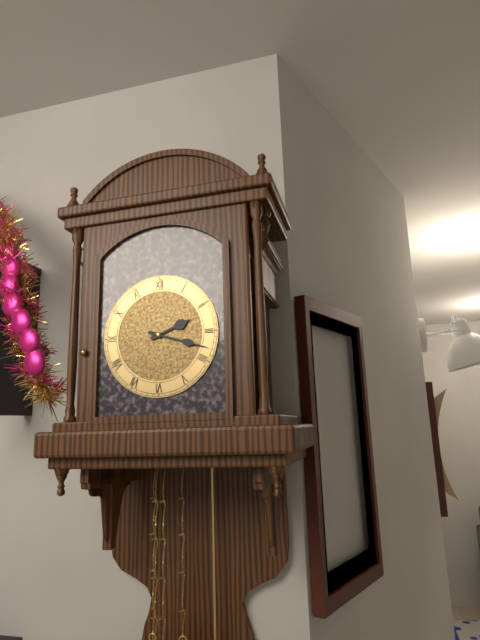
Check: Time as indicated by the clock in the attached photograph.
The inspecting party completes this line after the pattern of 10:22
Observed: 2:18
